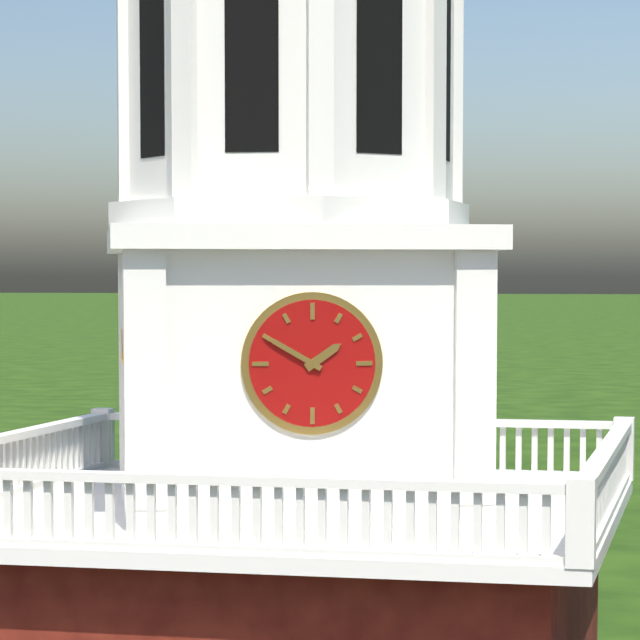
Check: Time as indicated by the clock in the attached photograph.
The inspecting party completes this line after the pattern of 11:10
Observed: 1:50
